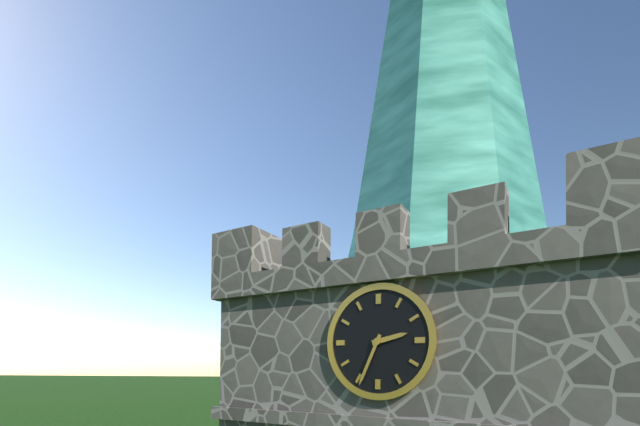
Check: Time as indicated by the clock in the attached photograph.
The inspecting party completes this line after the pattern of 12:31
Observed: 2:34
